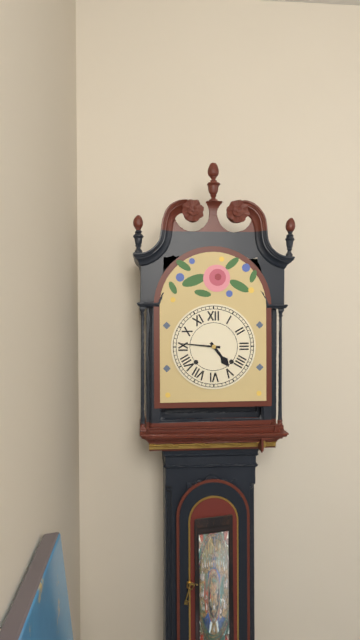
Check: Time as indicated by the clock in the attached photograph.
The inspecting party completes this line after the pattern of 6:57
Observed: 4:46
